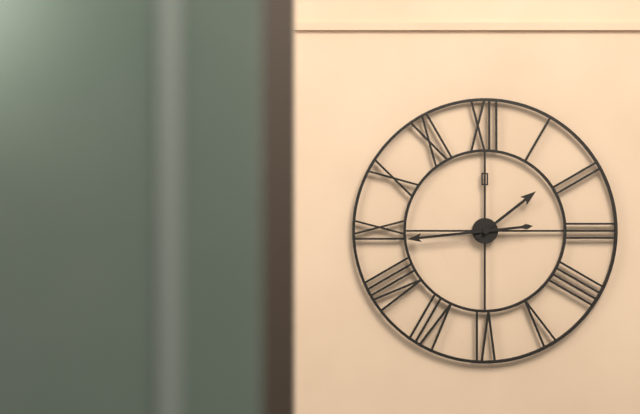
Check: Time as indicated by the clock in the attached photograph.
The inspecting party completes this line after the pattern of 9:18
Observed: 1:44
